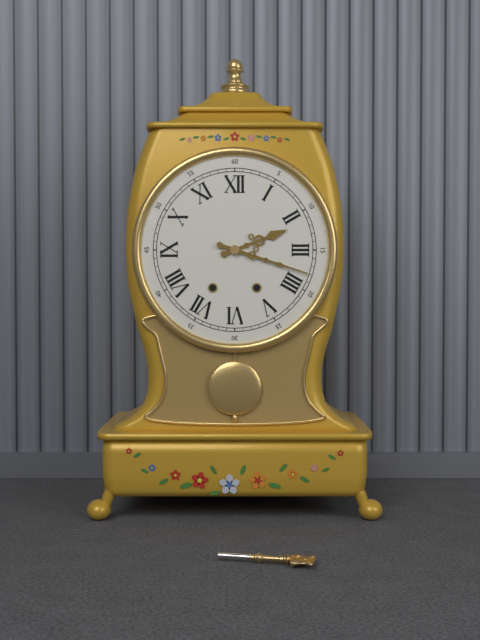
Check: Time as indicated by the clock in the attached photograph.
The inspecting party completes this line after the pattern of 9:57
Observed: 2:18
